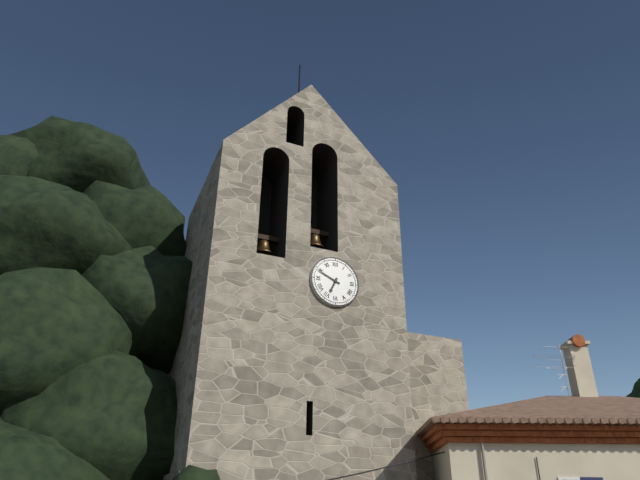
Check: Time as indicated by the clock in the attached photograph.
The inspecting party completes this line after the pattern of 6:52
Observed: 6:49
